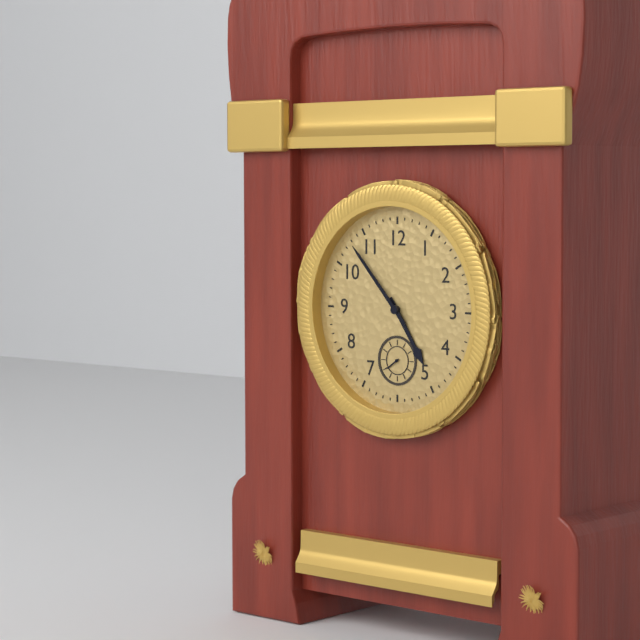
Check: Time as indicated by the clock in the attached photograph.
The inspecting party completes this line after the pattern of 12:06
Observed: 4:53
